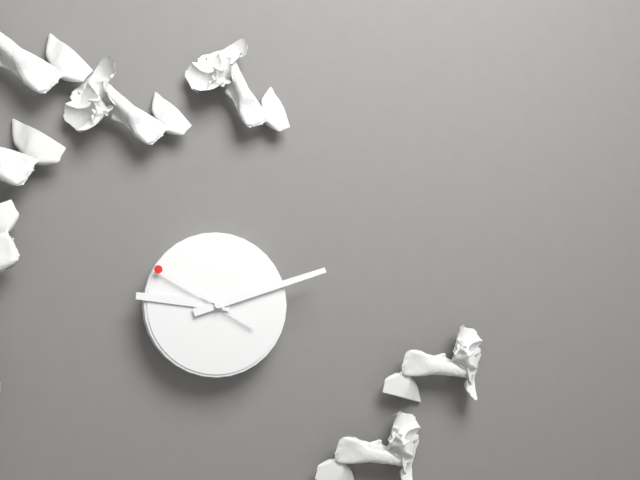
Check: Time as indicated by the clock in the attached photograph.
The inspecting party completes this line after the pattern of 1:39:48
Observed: 9:12:50
